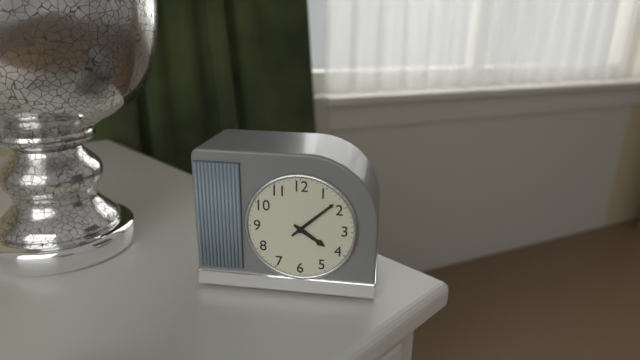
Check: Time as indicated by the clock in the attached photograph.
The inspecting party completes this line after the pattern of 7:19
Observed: 4:08
